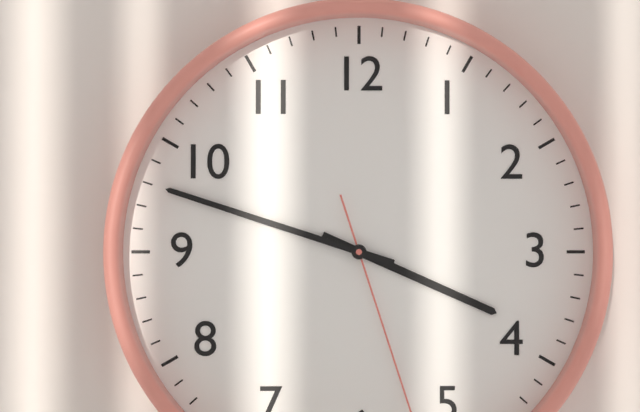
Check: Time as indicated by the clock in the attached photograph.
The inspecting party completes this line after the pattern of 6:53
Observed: 3:48
